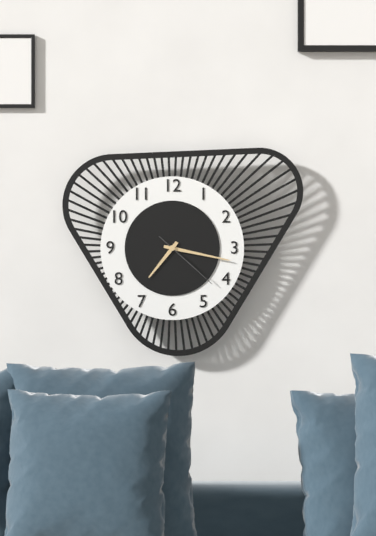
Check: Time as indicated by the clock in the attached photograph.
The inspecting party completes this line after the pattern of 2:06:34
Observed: 7:17:22
